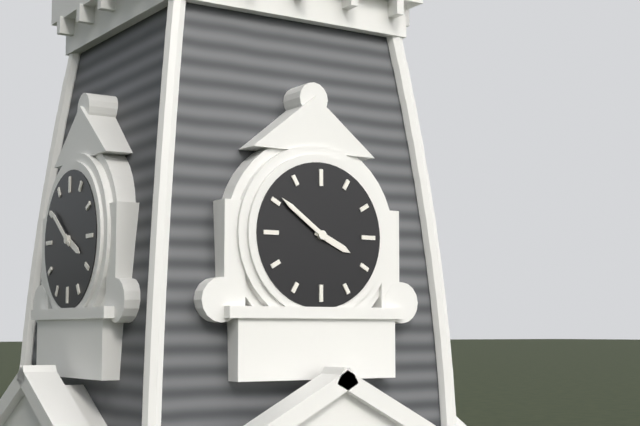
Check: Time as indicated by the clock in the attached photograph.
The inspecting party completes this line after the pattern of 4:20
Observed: 3:51
